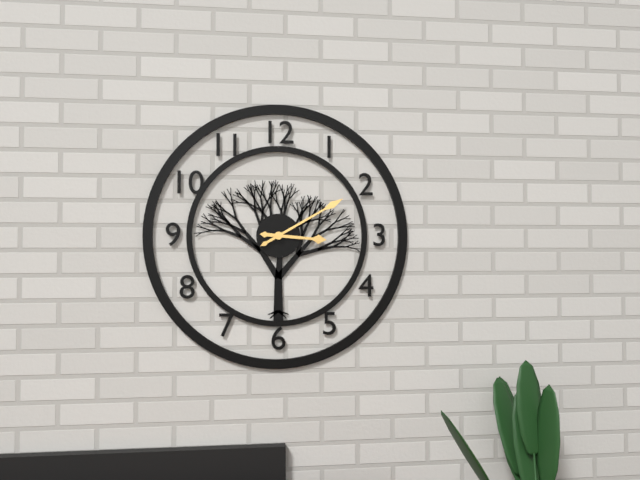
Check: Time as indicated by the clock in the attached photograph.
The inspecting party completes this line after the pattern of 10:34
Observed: 3:10
